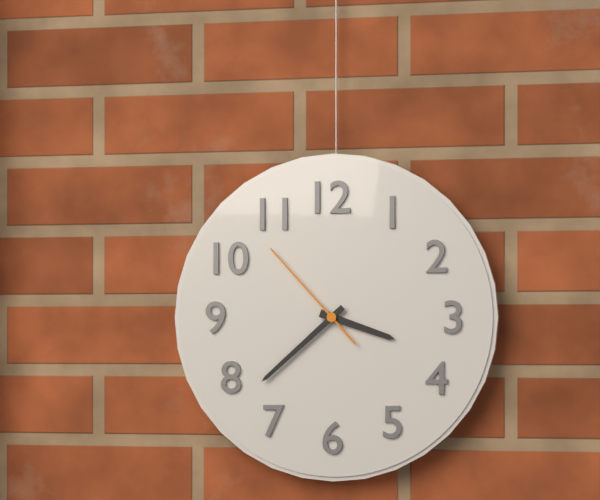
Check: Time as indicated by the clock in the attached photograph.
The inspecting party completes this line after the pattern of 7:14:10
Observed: 3:38:53
